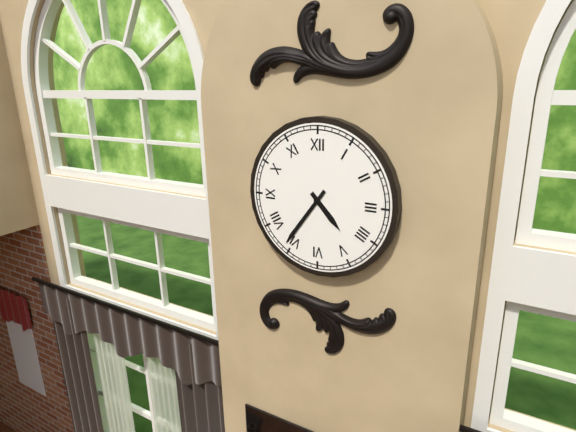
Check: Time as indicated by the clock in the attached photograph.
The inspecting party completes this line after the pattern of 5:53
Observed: 4:36
